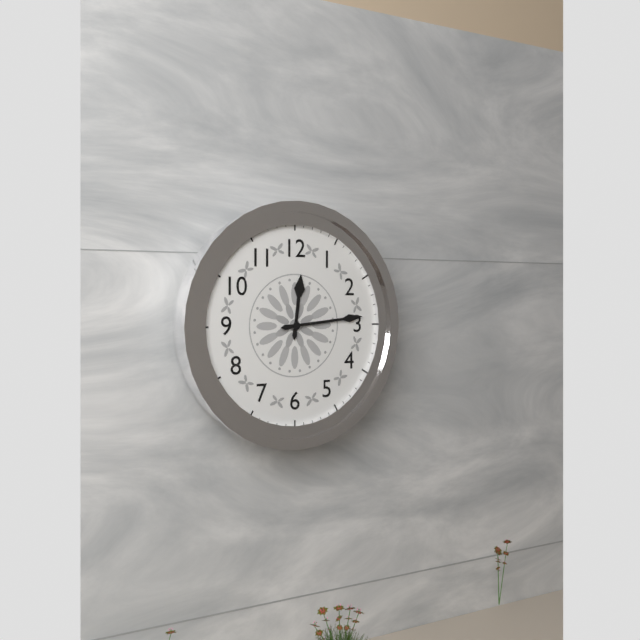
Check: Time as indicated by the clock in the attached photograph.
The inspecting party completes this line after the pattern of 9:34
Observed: 12:14
